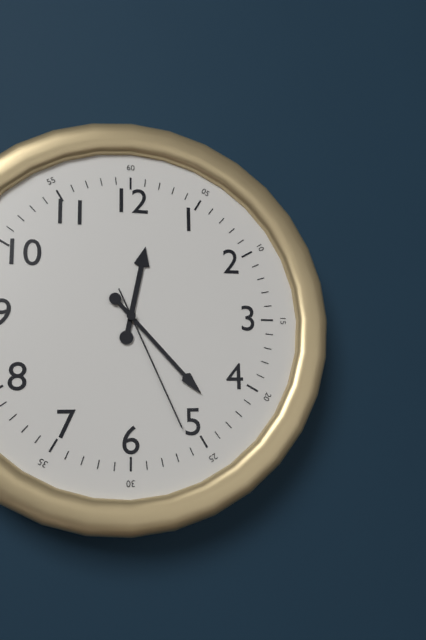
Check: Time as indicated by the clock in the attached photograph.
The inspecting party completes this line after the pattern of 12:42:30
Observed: 12:23:26
